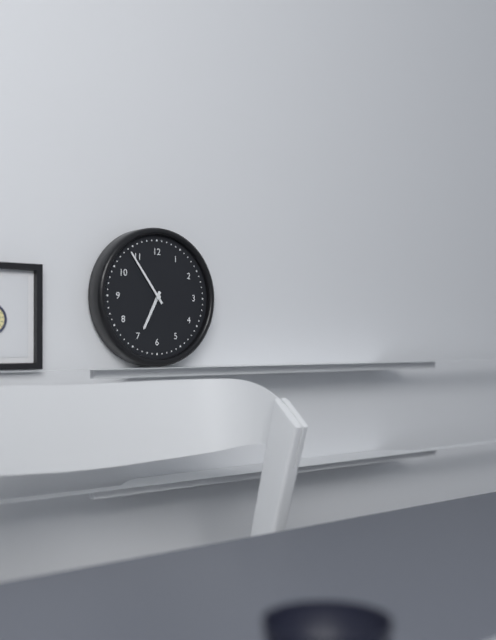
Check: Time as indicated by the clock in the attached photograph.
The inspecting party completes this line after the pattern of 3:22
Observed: 6:54
